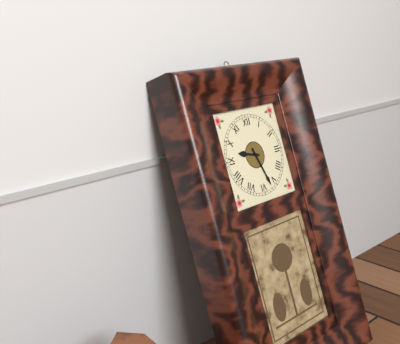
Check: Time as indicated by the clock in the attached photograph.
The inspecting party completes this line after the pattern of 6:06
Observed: 9:27
